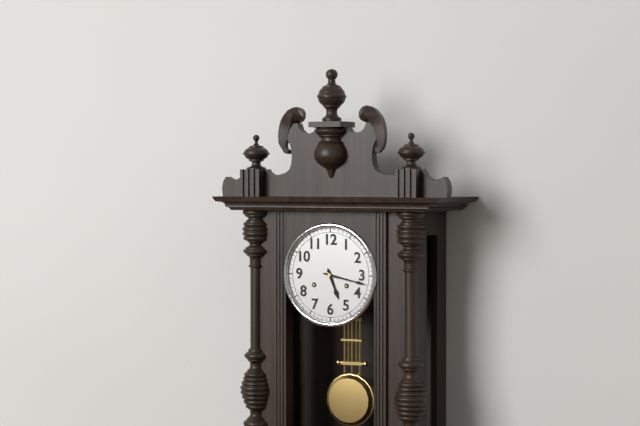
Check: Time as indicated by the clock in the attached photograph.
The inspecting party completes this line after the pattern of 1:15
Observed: 5:17
